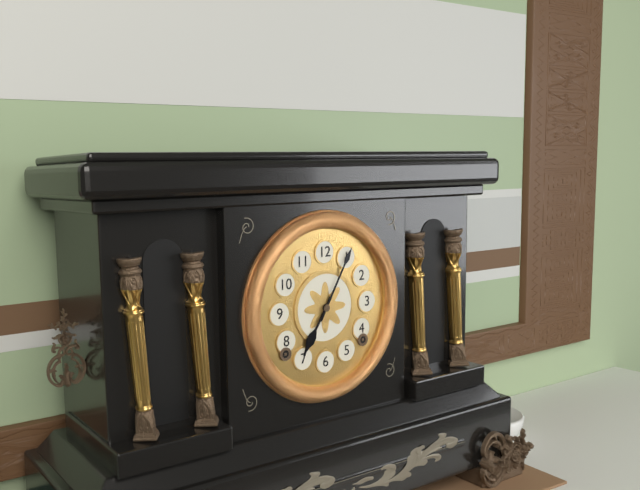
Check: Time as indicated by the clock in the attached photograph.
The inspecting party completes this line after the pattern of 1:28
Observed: 7:05
